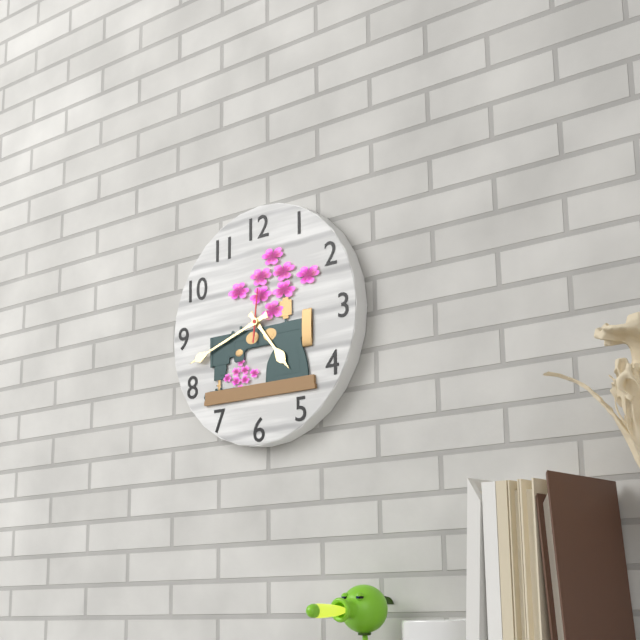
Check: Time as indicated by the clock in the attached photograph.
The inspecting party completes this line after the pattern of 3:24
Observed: 4:42
